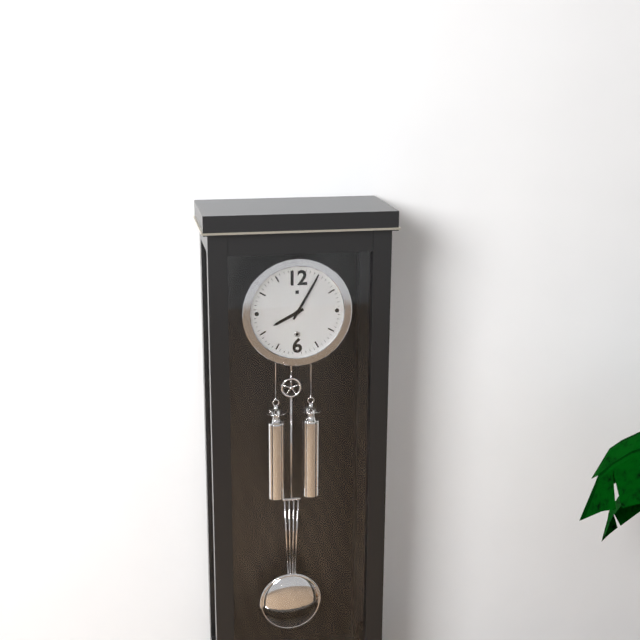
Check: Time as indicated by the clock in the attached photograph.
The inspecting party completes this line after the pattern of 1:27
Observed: 8:05
